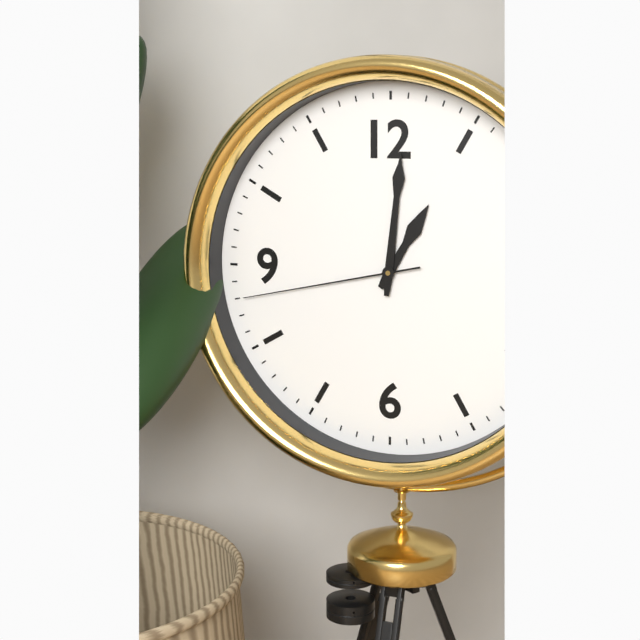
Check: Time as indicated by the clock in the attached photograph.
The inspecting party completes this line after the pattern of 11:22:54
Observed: 1:01:43
